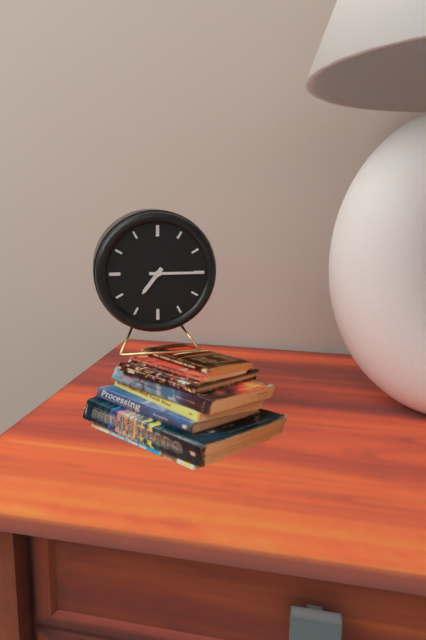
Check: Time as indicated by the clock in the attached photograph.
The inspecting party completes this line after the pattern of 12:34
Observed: 7:15
